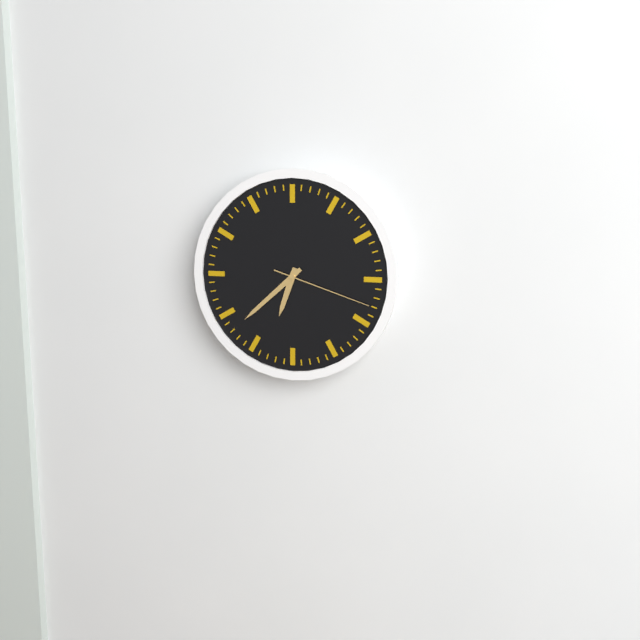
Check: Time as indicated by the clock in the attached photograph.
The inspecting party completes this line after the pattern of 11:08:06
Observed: 6:38:18
